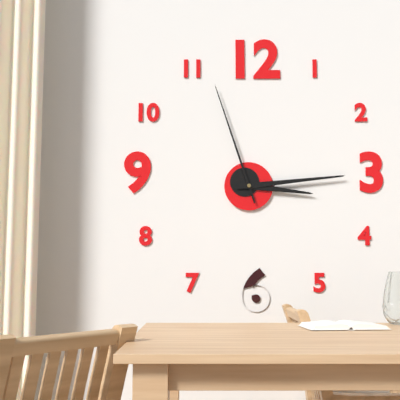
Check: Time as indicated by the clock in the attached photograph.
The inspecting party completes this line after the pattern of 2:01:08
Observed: 3:14:57
